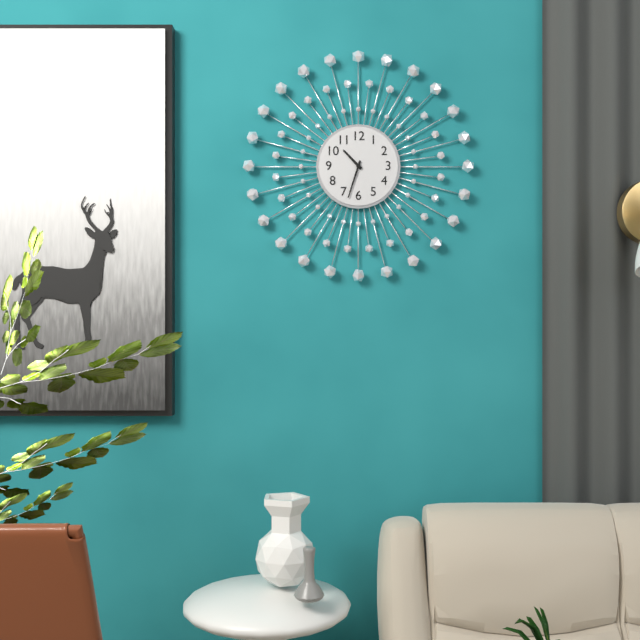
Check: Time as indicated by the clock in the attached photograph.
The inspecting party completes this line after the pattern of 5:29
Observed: 10:33
